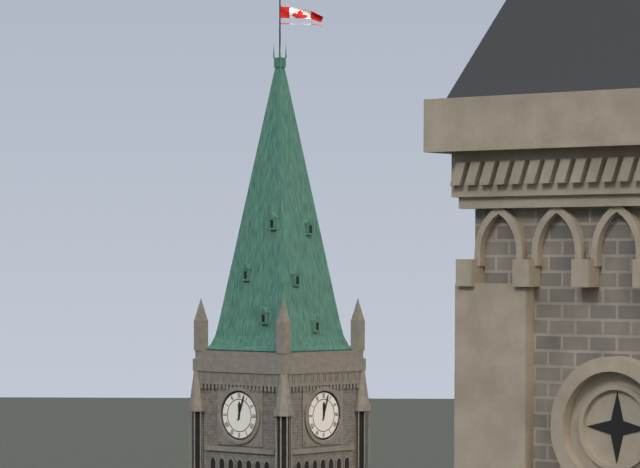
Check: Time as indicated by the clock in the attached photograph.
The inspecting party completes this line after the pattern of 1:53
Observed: 12:03
